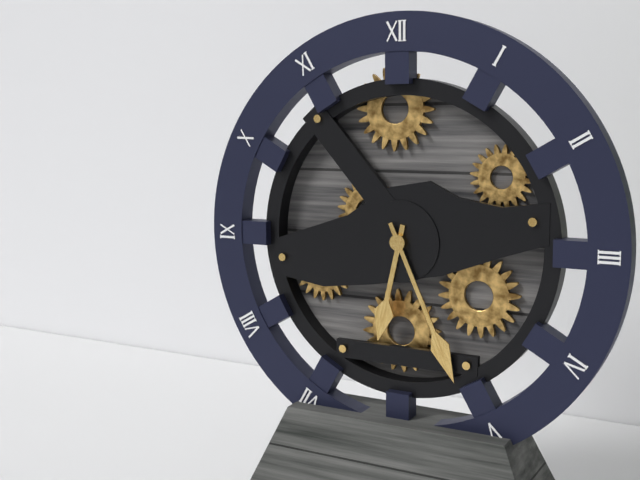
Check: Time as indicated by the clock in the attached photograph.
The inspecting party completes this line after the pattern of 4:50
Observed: 6:26
